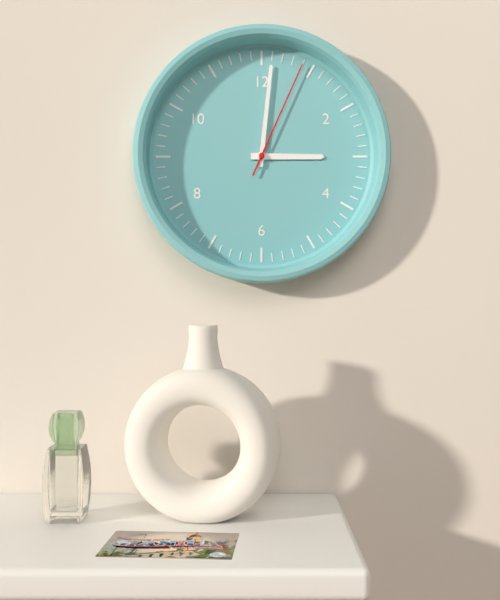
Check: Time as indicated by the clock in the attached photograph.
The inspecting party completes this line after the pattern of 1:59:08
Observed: 3:01:04
